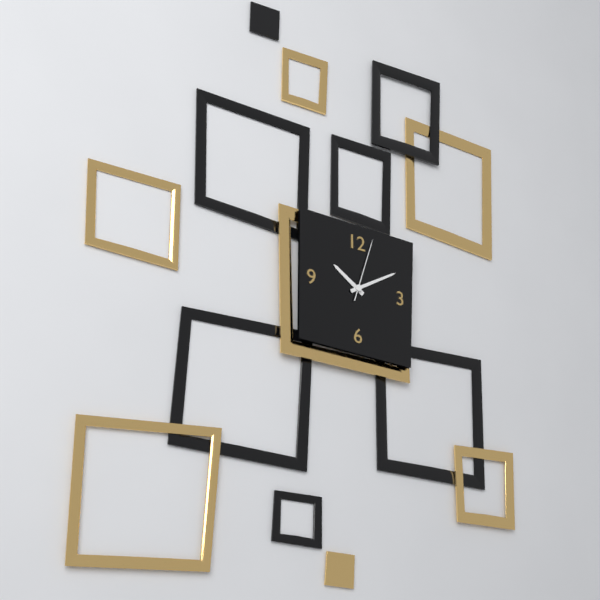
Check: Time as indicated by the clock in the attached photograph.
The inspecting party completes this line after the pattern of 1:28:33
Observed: 10:10:03
